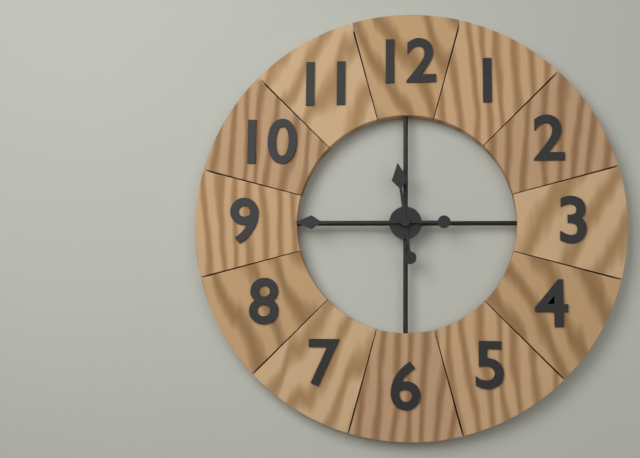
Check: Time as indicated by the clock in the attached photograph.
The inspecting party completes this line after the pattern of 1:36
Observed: 11:45
